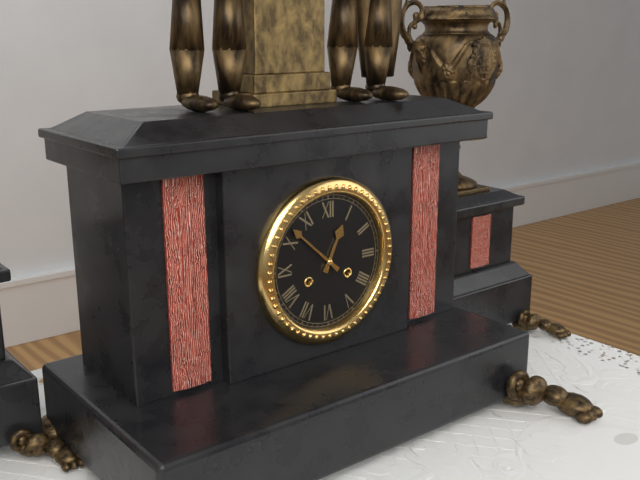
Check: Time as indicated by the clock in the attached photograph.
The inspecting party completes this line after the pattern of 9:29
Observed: 12:52
